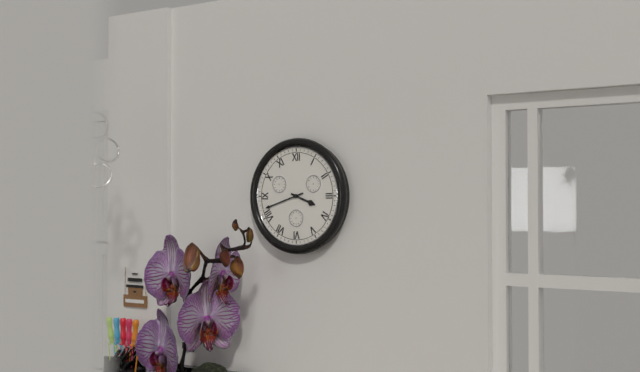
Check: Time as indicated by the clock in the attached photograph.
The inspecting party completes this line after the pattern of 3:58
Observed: 3:42
